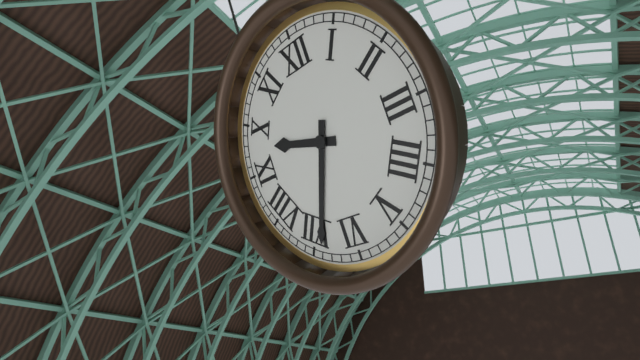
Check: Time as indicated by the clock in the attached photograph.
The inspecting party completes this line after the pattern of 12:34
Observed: 9:34
